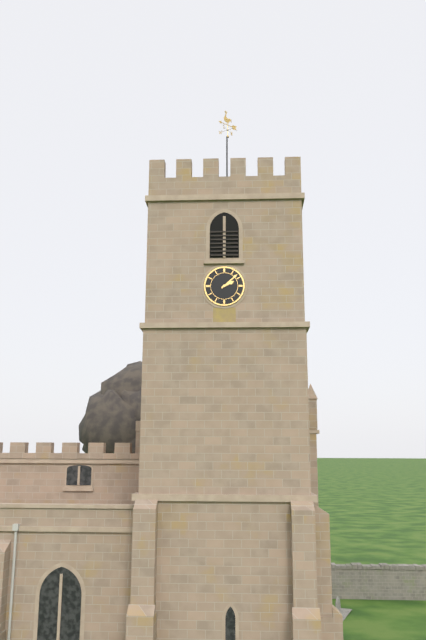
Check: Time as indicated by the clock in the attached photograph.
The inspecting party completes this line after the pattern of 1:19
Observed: 2:08
